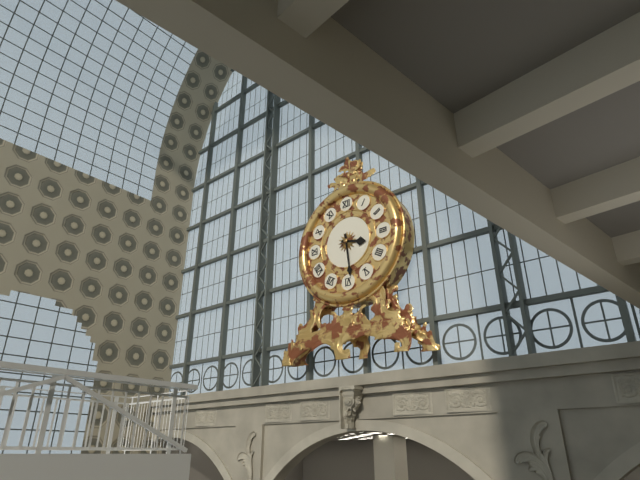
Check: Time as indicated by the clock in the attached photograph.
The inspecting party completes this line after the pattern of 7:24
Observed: 3:29
